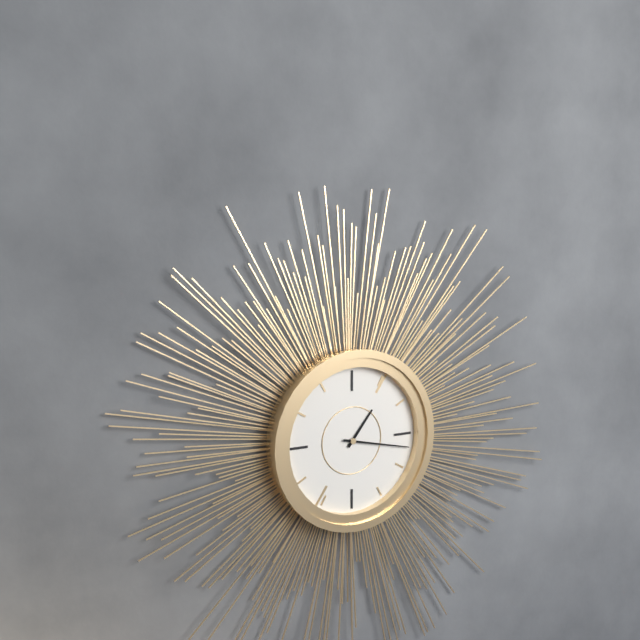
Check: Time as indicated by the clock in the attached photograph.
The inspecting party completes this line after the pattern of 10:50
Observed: 1:17
